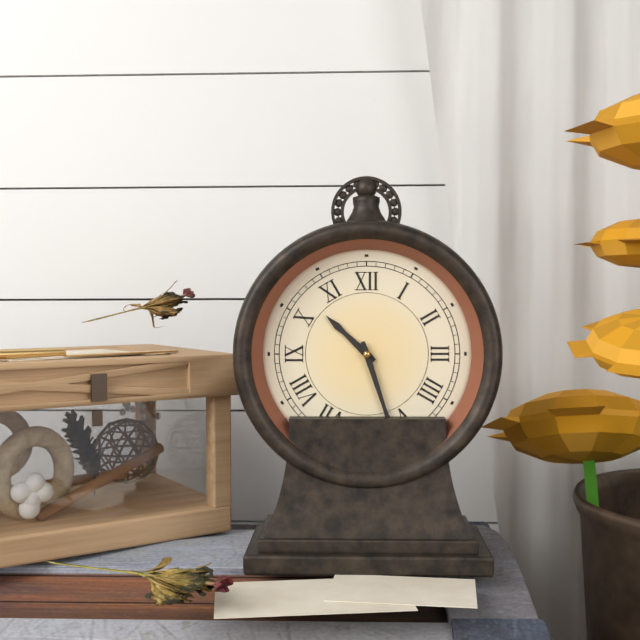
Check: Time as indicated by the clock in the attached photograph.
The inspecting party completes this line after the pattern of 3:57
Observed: 10:27
